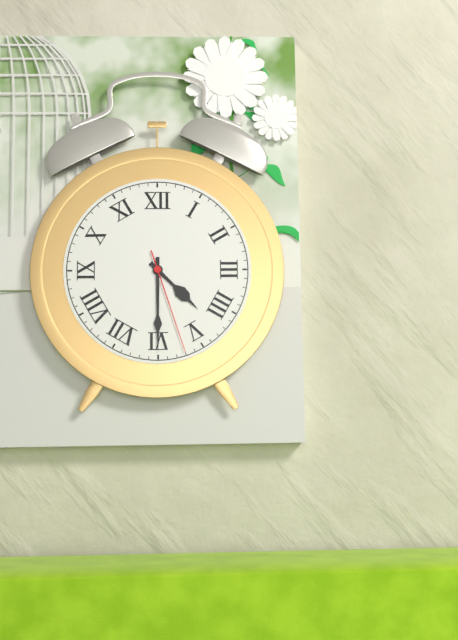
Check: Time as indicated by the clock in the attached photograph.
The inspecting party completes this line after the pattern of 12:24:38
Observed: 4:30:27
